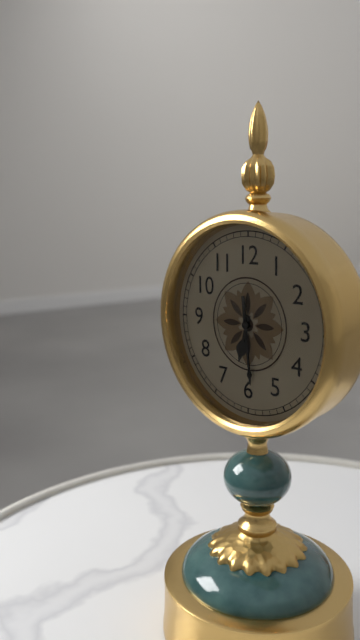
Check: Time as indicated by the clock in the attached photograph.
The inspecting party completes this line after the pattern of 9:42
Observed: 6:29
